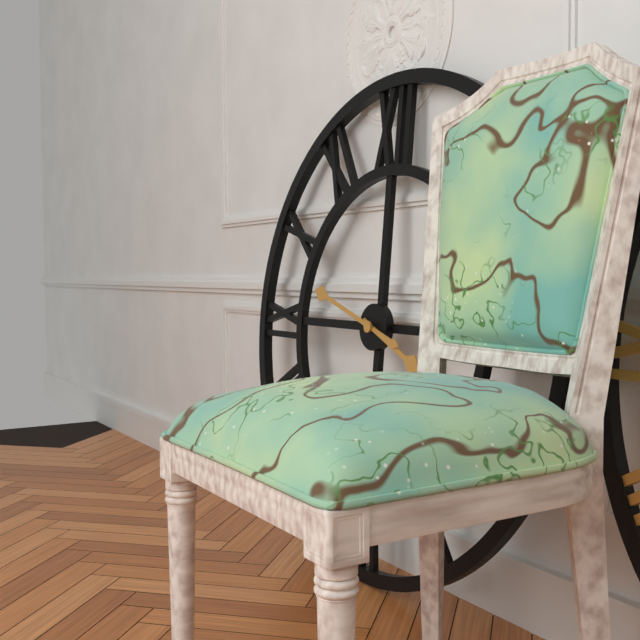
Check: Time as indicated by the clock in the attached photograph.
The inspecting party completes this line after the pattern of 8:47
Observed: 3:48
